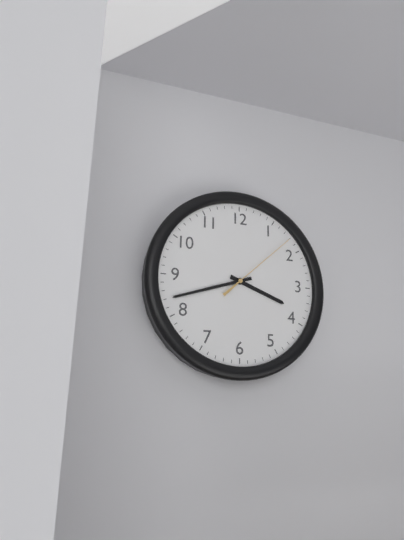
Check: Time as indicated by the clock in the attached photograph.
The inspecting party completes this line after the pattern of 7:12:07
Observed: 3:42:08
